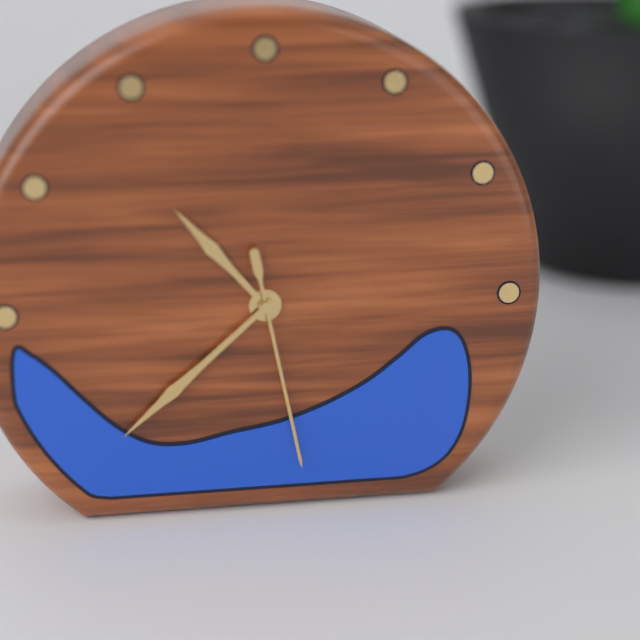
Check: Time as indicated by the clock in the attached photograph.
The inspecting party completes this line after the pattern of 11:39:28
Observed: 10:38:28
